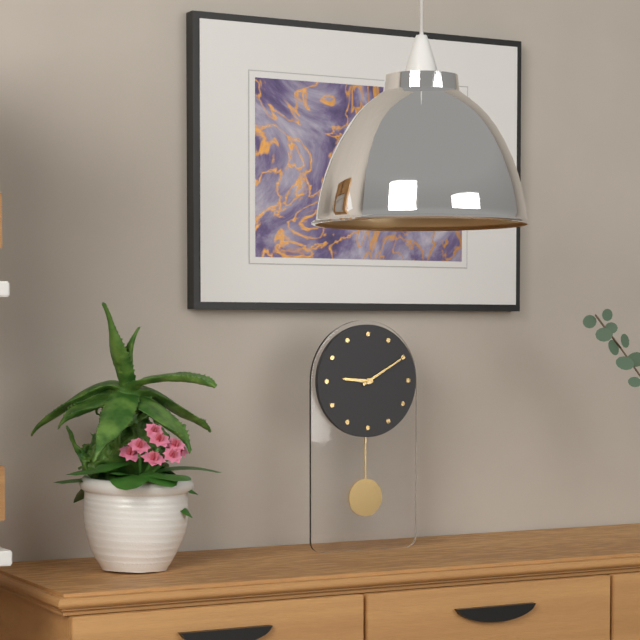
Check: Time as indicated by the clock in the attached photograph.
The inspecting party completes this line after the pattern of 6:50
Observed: 9:10
